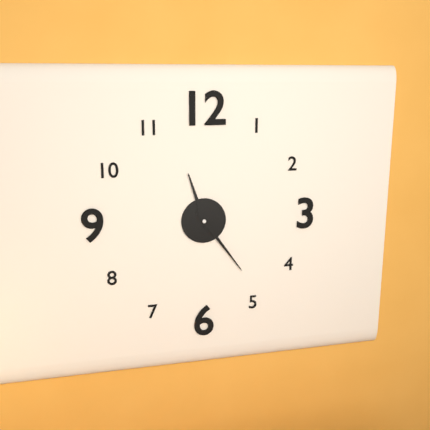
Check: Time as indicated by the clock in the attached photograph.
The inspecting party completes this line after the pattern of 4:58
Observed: 11:24
